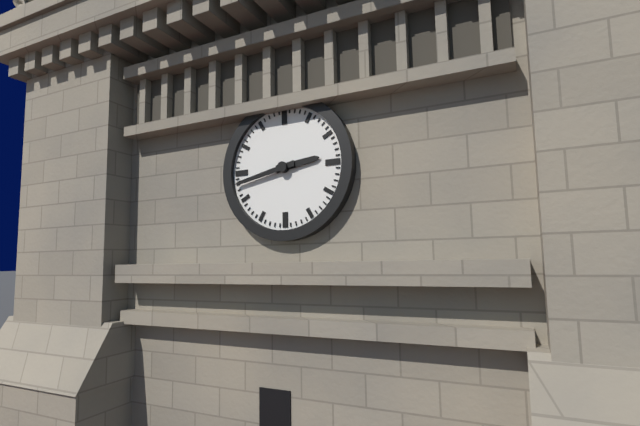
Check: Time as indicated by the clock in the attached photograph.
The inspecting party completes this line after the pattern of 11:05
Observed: 2:43
